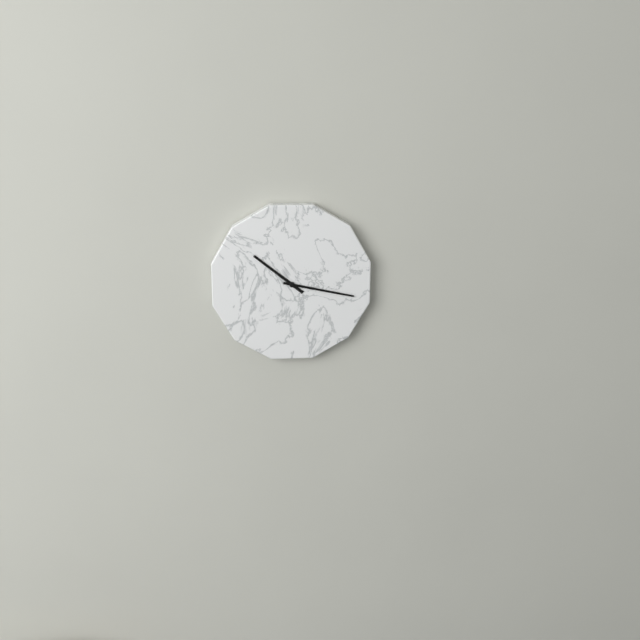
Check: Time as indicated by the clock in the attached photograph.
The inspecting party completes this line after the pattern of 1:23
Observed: 10:17
